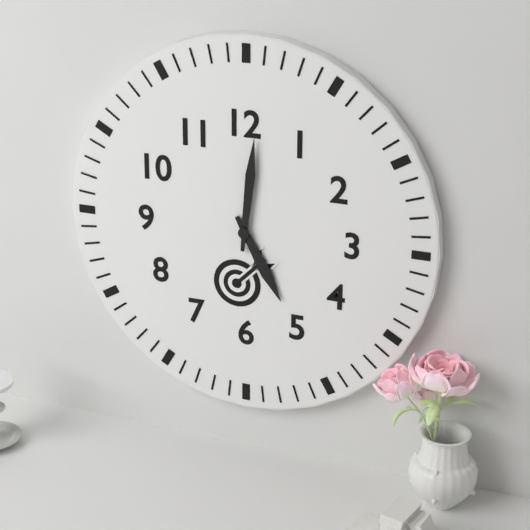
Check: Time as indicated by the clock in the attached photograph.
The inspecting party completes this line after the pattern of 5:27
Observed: 5:01
